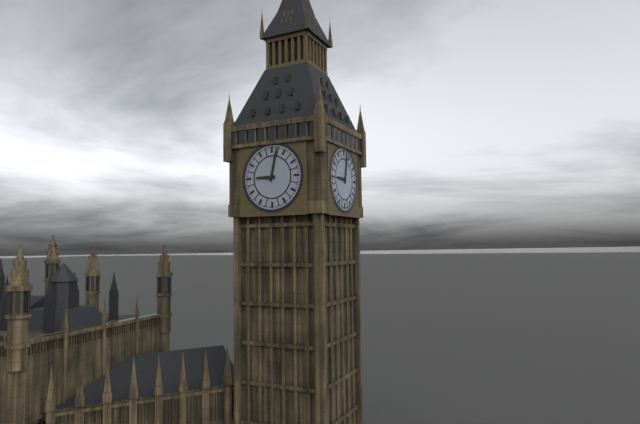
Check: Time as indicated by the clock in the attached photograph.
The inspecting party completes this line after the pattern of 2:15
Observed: 9:02
